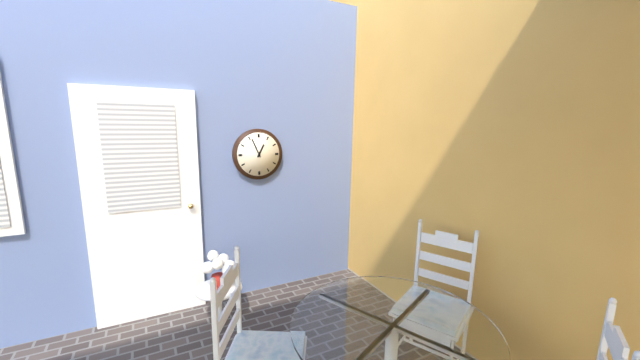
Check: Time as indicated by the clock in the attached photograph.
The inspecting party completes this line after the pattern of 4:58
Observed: 12:56
